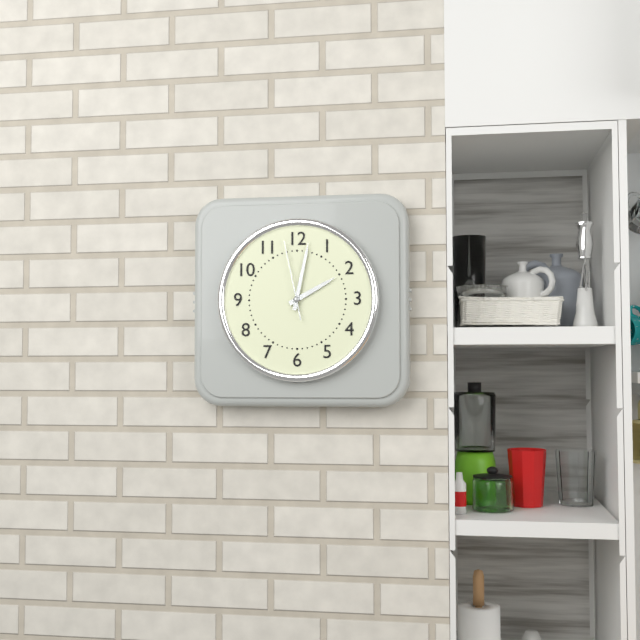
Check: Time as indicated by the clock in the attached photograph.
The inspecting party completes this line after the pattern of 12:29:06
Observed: 2:02:58
